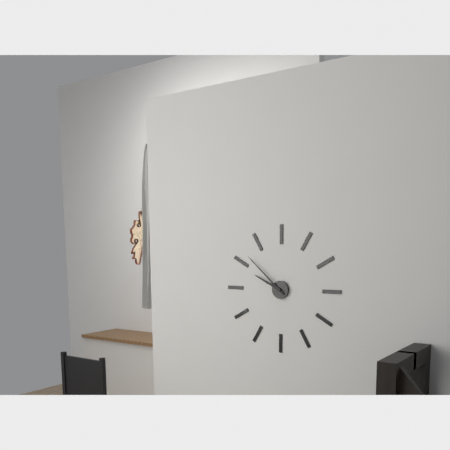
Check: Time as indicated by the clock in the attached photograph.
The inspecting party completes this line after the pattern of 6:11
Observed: 9:52
